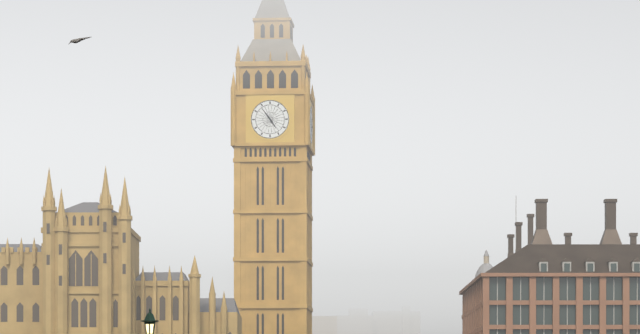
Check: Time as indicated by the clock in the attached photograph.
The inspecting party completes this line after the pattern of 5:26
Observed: 4:54
